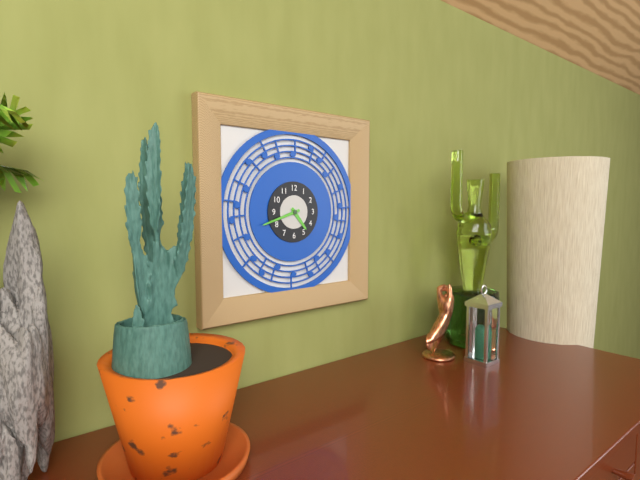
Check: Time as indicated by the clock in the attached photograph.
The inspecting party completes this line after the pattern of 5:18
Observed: 4:42
